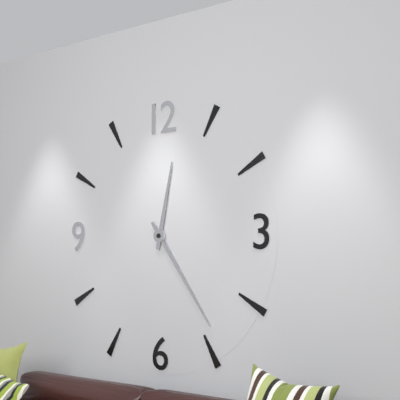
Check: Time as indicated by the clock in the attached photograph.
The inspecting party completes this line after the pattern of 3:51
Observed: 12:24
